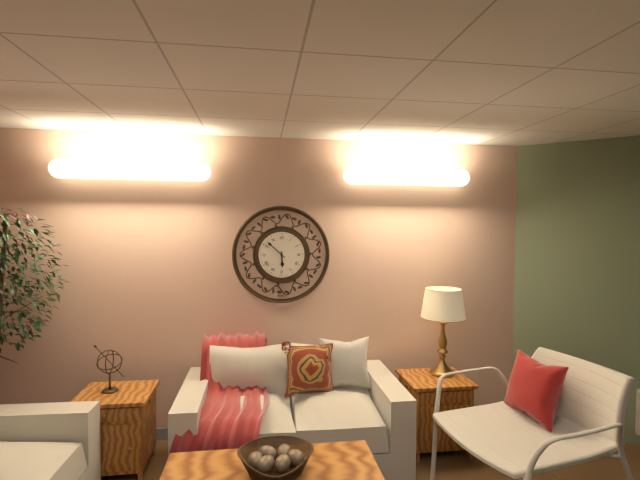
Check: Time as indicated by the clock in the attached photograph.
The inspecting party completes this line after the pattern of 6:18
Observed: 5:52
